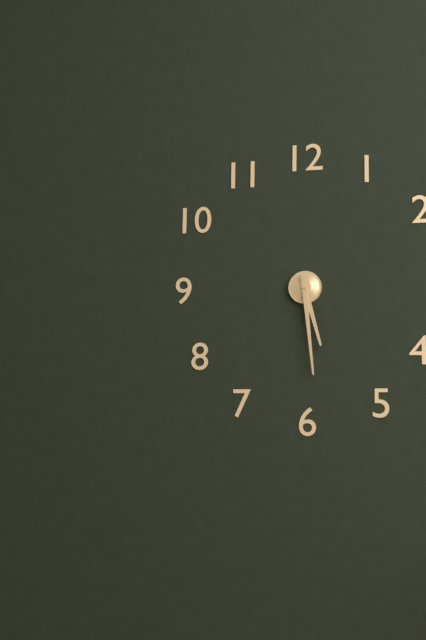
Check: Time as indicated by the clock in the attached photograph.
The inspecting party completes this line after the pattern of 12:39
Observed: 5:29
